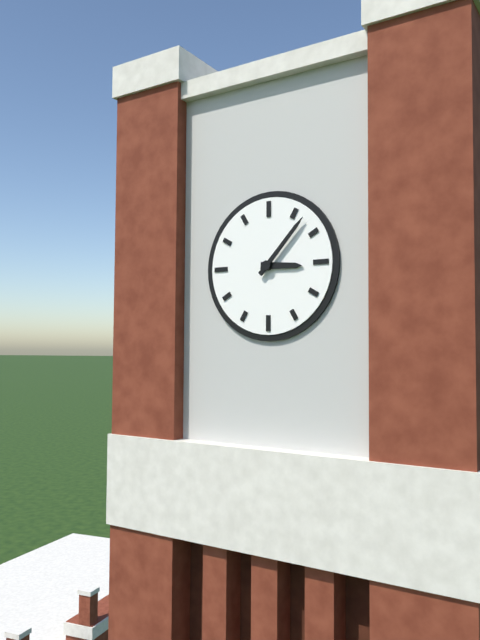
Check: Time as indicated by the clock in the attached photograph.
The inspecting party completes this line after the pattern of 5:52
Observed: 3:07
